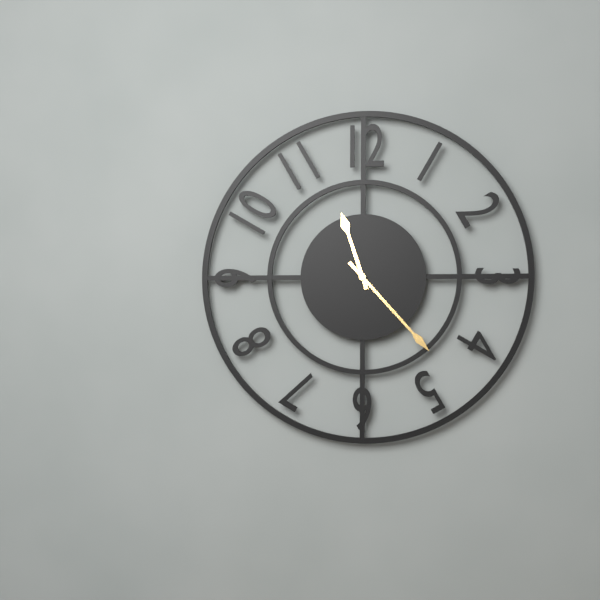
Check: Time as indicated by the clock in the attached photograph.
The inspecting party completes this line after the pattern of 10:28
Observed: 11:23
